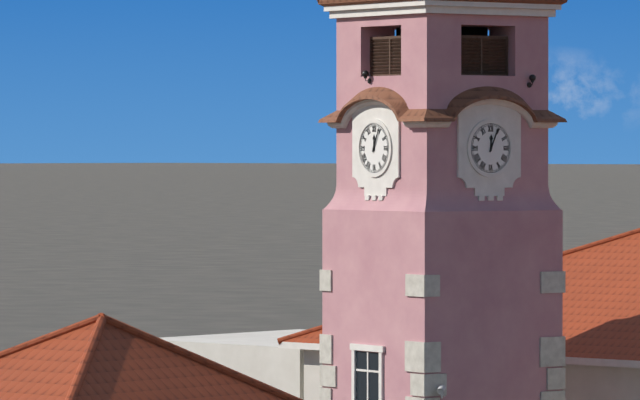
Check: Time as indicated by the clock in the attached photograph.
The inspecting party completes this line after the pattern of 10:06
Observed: 12:04
